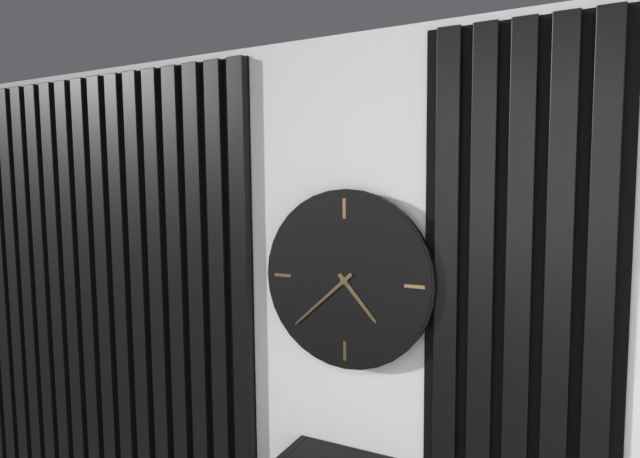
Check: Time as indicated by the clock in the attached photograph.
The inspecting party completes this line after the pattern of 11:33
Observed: 4:38
